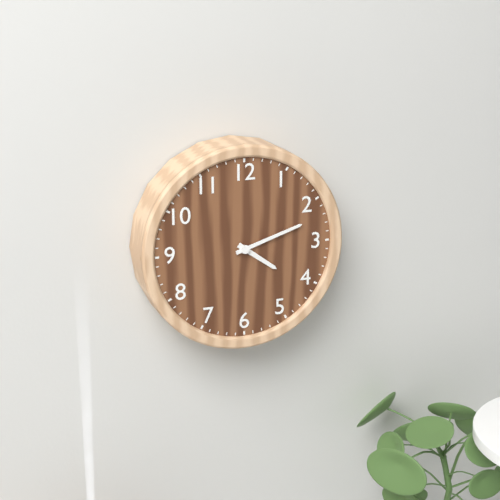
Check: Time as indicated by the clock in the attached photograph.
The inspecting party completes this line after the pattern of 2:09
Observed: 4:12
